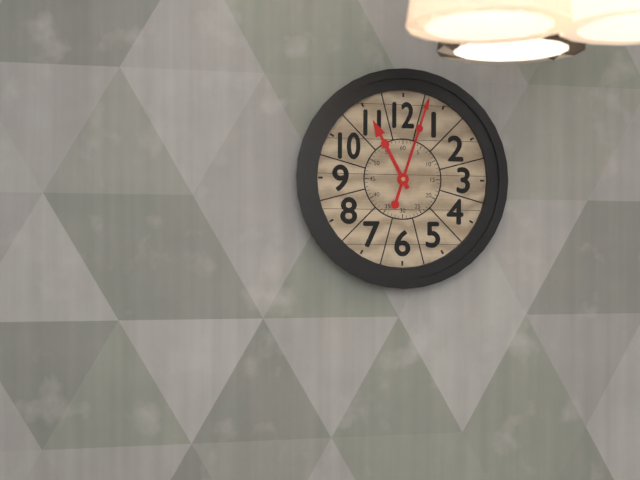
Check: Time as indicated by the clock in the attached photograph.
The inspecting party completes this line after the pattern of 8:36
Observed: 11:03
